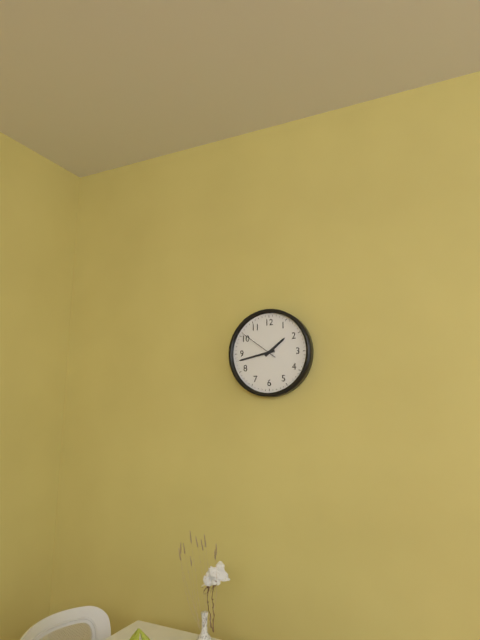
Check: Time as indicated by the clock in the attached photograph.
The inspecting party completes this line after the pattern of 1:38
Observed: 1:43
